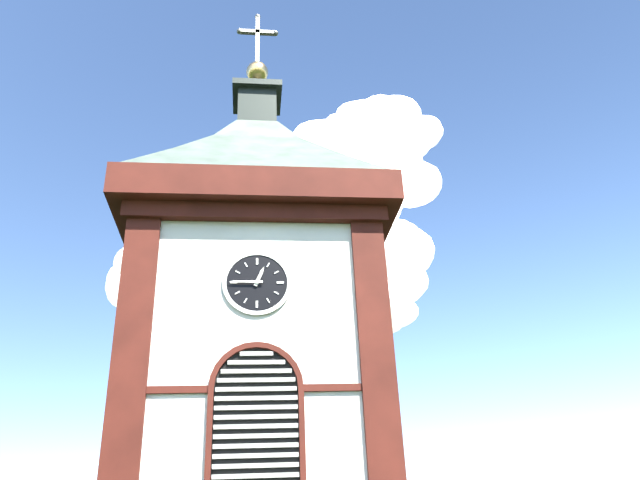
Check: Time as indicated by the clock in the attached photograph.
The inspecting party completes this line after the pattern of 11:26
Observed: 12:45
